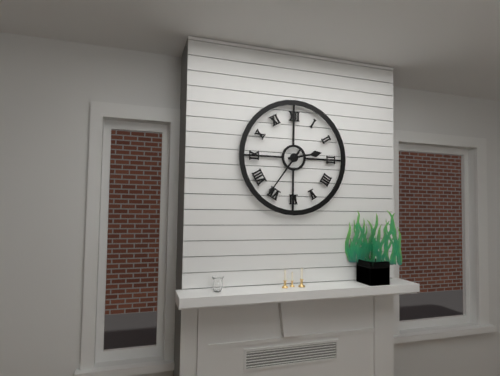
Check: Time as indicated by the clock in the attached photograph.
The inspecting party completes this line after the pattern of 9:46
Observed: 2:36
